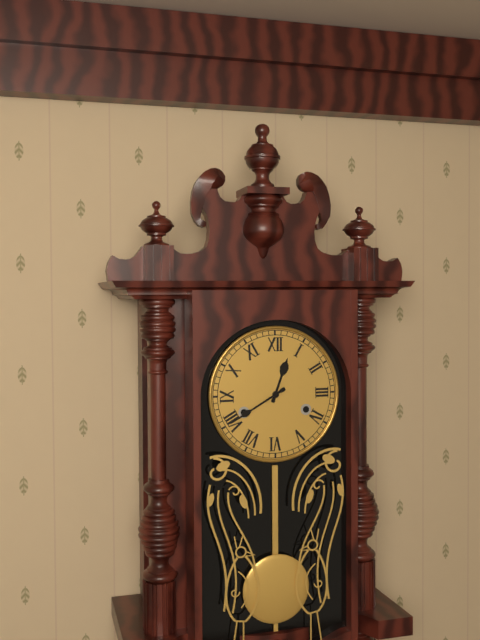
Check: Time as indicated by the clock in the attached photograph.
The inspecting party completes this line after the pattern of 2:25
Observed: 12:40
